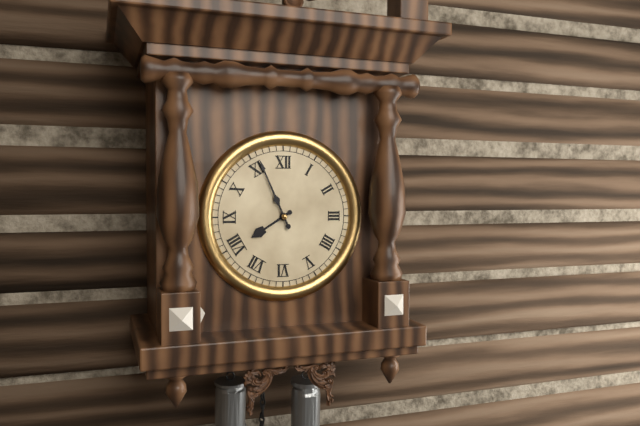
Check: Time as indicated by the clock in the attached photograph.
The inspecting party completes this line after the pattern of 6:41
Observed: 7:56
